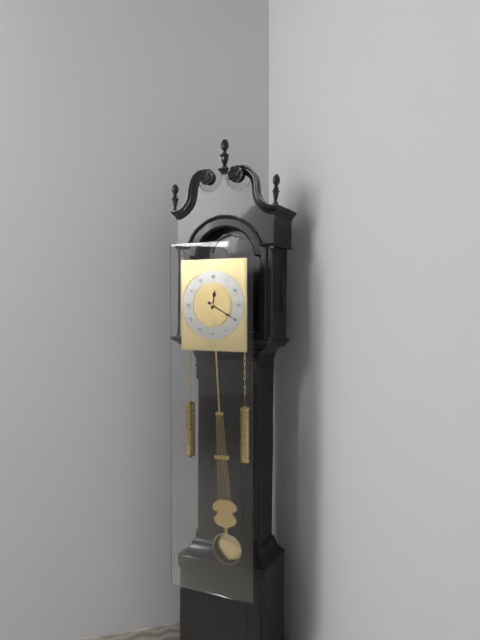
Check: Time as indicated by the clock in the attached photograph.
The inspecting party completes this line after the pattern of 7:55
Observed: 12:20
